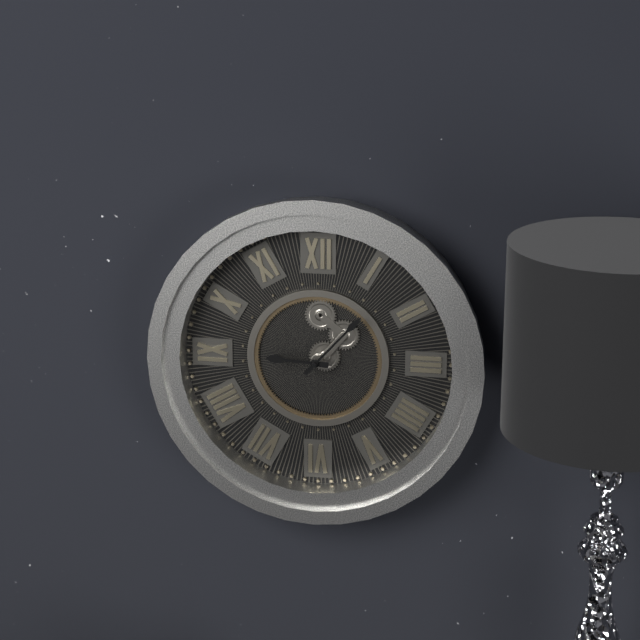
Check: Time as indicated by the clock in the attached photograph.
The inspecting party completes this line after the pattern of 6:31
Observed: 9:07
